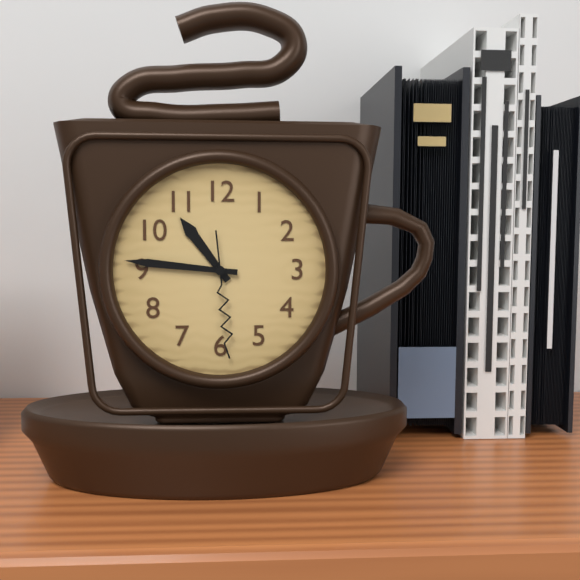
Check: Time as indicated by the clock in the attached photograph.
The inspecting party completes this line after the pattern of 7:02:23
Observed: 10:46:29
